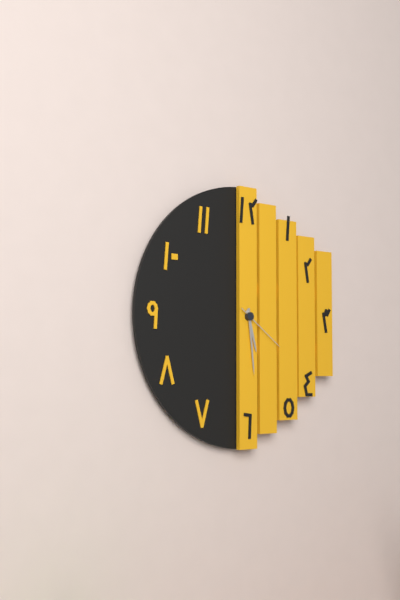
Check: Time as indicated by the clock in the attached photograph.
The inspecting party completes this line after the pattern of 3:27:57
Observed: 5:29:21
